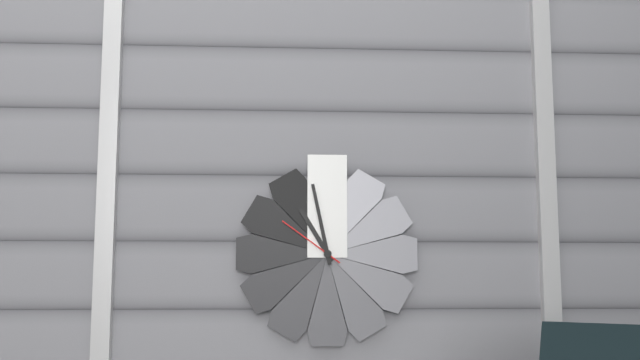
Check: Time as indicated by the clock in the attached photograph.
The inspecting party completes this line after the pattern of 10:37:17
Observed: 10:58:51
